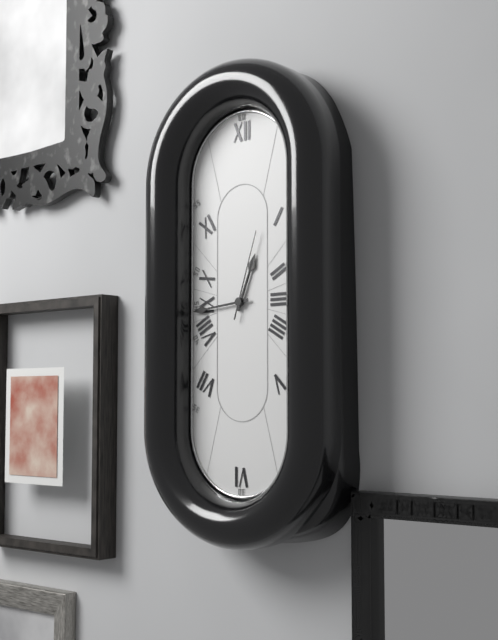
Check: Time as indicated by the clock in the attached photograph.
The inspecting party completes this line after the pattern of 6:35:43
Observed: 12:44:03
